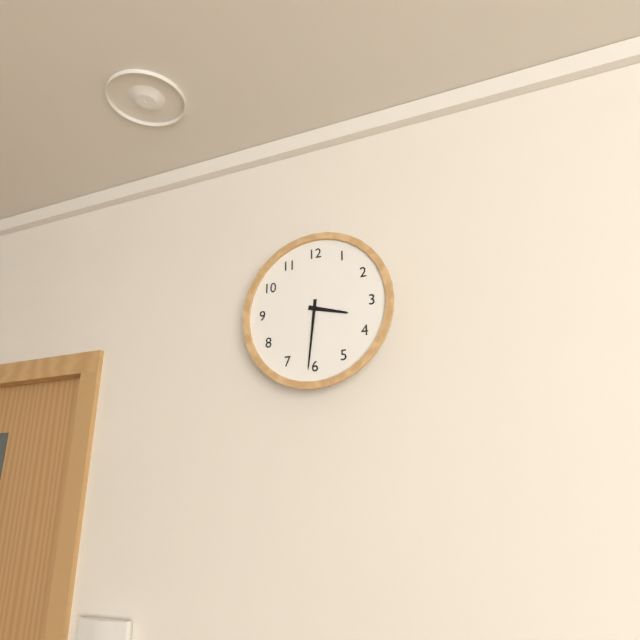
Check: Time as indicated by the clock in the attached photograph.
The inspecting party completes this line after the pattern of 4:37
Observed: 3:31
